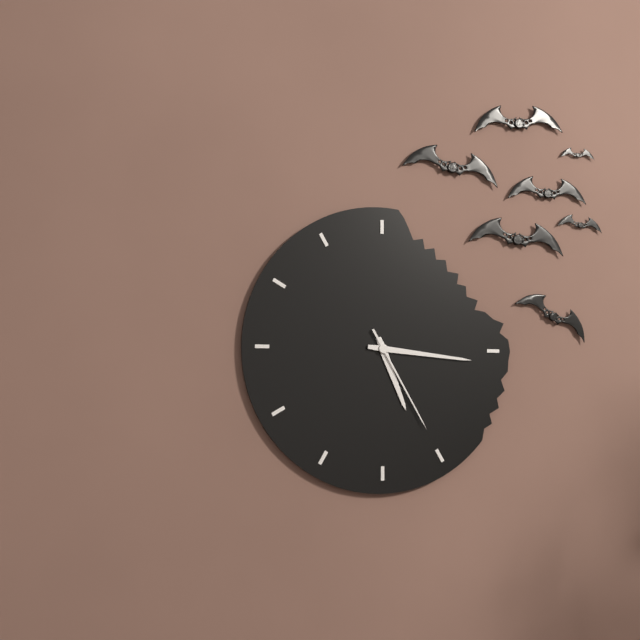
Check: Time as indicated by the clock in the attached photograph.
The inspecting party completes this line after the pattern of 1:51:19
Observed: 5:16:25
